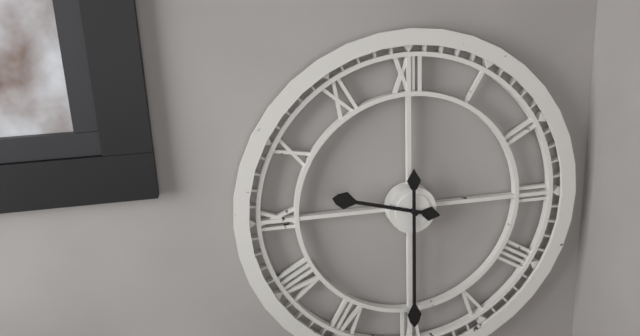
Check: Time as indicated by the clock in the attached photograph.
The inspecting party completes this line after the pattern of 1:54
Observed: 9:30
